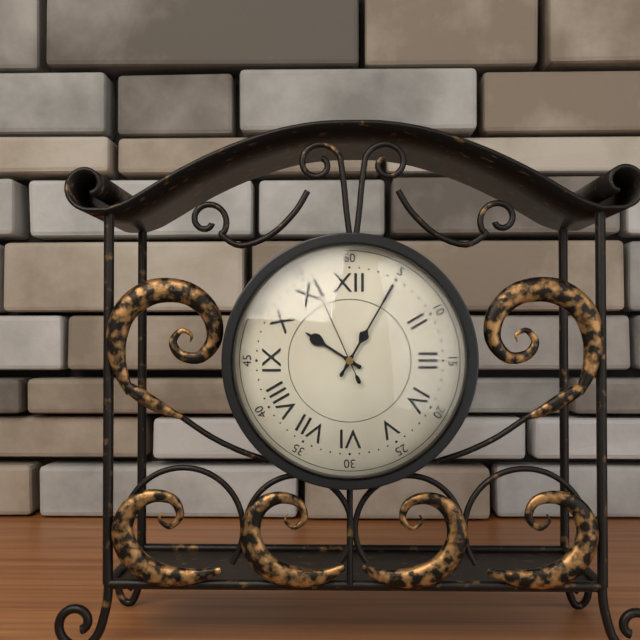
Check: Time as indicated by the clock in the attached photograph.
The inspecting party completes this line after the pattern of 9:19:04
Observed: 10:05:56
